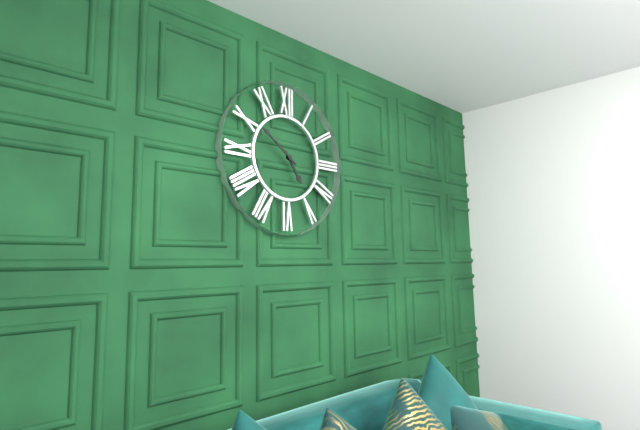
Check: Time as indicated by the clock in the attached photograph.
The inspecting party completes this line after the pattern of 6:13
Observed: 4:51
